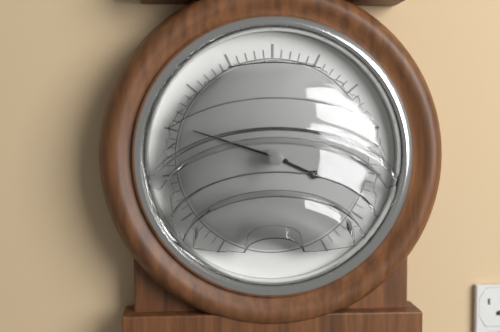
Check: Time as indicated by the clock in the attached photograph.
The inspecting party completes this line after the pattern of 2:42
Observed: 3:48
